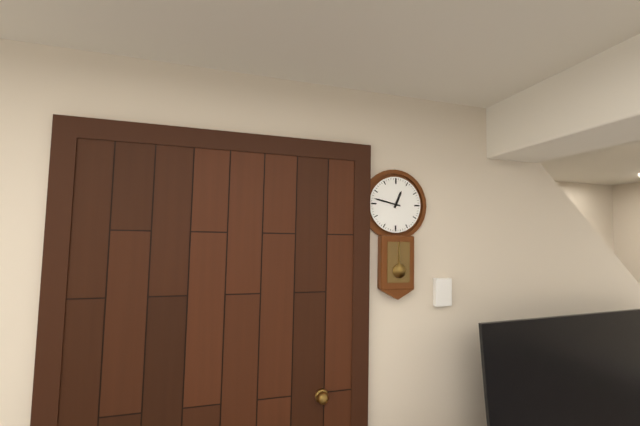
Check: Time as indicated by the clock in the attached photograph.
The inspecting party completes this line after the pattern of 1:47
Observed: 12:47
